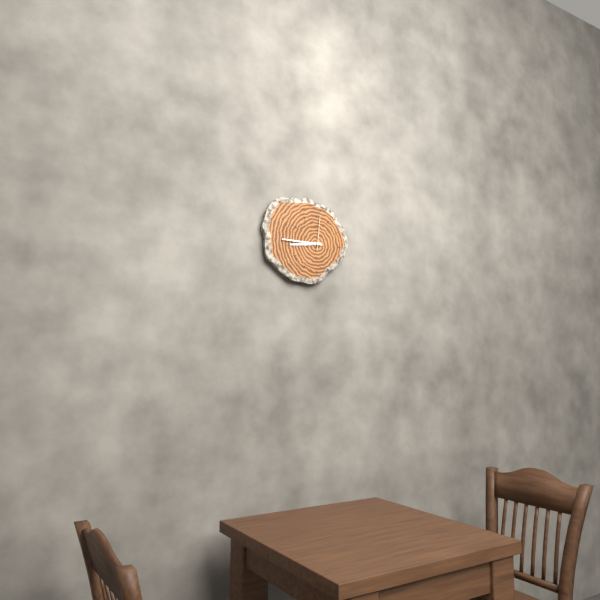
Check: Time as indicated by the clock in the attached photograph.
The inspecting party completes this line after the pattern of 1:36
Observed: 8:45
